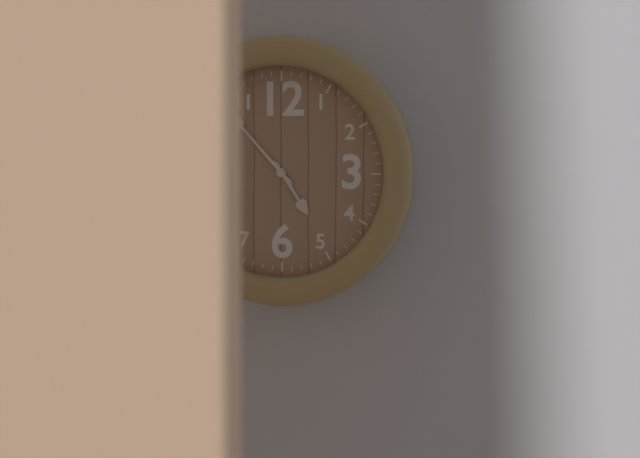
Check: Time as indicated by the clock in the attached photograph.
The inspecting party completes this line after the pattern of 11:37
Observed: 4:53
